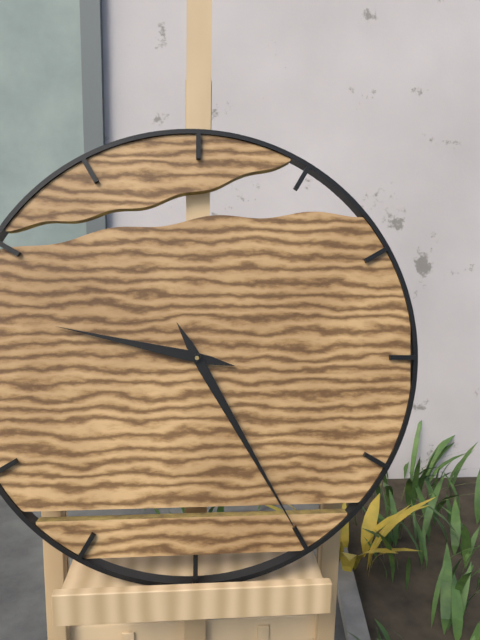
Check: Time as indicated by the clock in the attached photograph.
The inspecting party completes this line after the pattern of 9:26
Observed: 9:25
